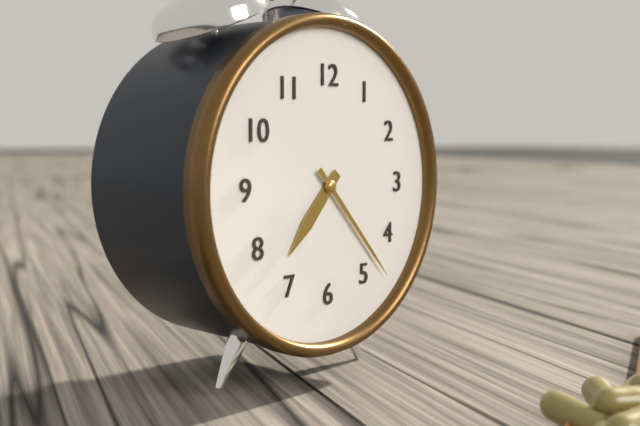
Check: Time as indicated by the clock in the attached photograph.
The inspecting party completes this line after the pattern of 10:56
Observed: 7:23
